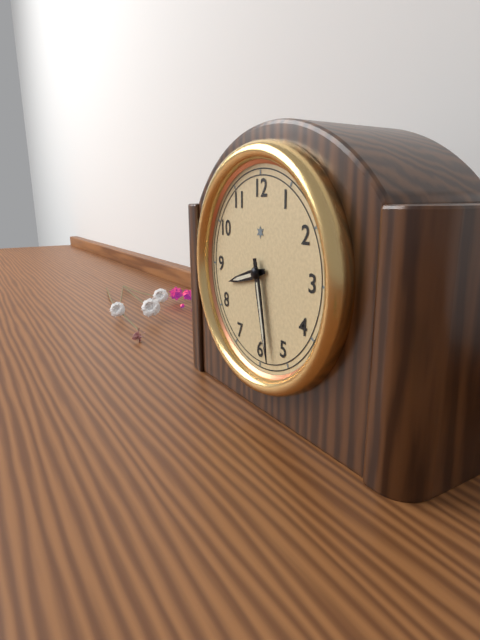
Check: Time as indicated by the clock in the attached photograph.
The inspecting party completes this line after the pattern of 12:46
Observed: 8:28
